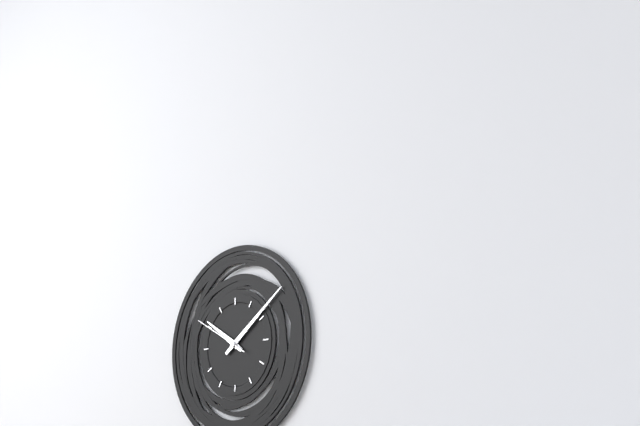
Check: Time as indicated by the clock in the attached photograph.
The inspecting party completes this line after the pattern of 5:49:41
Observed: 10:09:50
